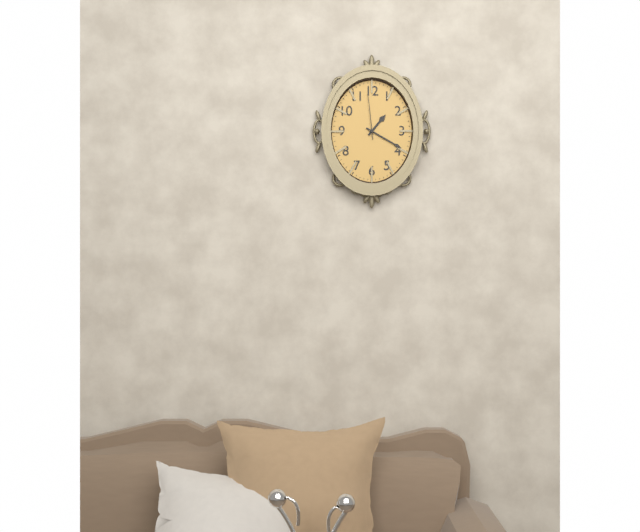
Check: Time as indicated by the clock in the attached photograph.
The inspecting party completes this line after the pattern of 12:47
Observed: 1:20
